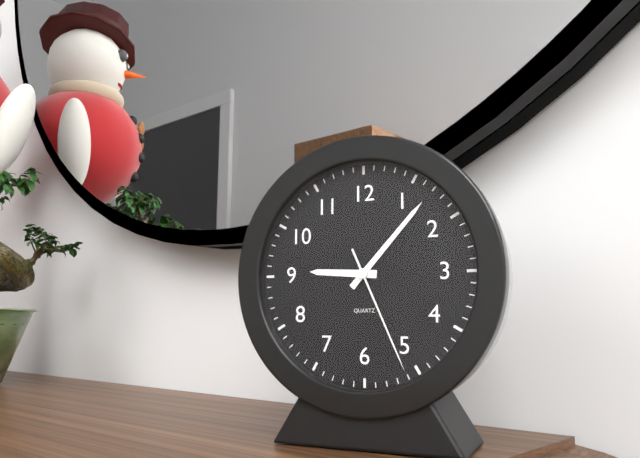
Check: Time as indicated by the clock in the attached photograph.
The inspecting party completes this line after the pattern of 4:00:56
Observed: 9:07:26
